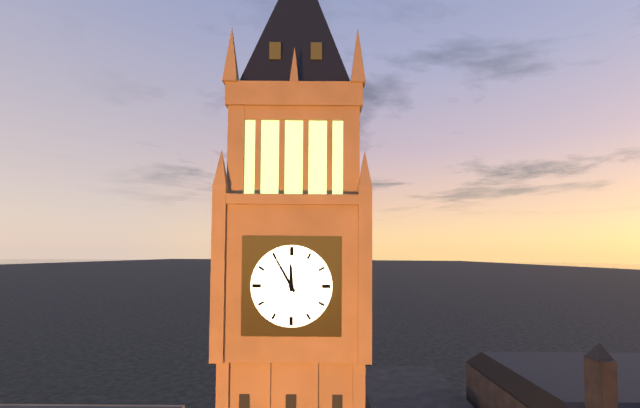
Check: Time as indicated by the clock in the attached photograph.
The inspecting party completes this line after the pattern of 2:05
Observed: 11:55
